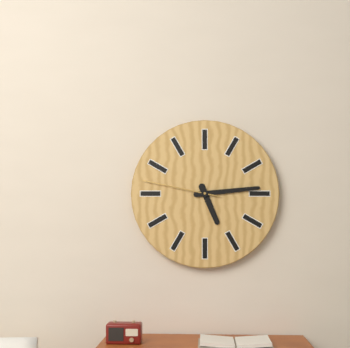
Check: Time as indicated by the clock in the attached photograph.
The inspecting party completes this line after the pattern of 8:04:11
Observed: 5:14:47
